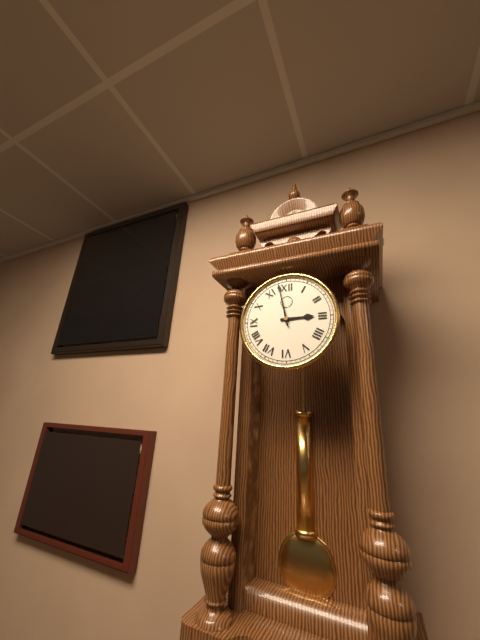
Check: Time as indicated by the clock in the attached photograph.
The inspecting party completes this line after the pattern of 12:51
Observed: 2:58
